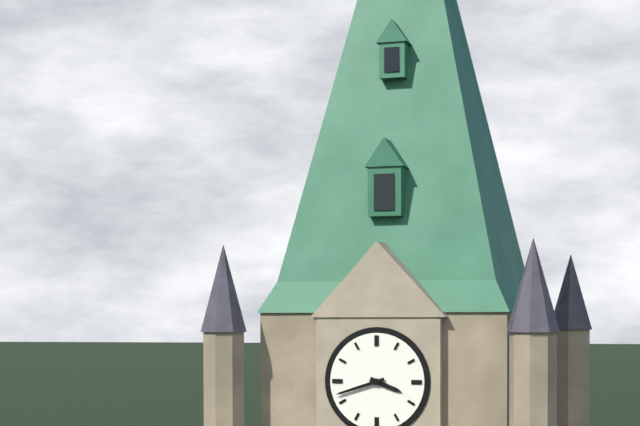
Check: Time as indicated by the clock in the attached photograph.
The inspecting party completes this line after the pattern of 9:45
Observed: 3:42
